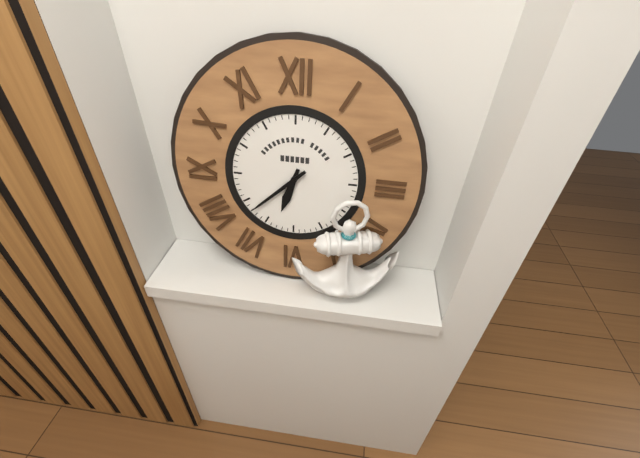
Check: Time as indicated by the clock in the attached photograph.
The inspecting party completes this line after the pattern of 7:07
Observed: 6:38
